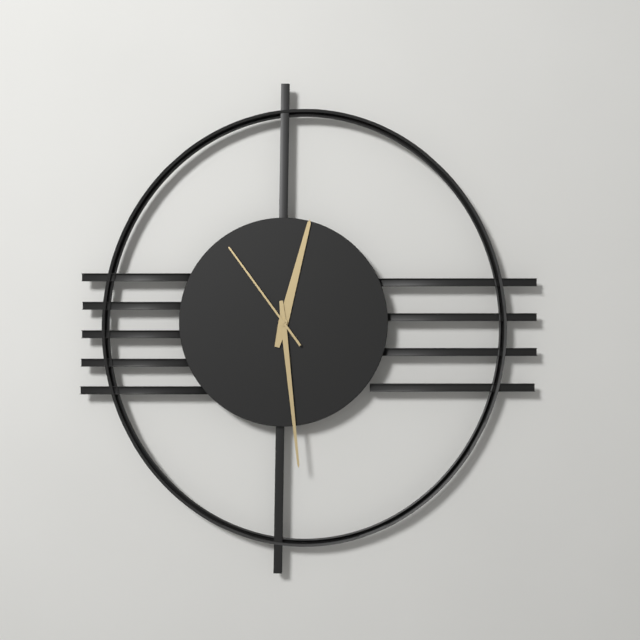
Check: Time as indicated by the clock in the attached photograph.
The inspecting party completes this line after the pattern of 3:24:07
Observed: 12:29:54
